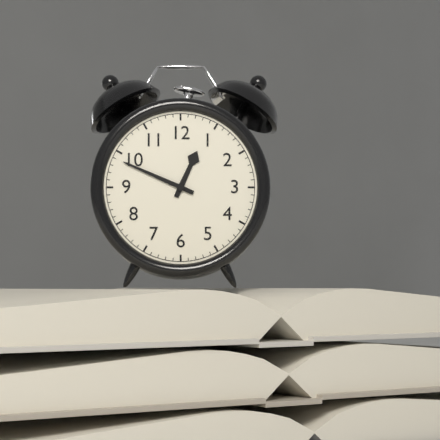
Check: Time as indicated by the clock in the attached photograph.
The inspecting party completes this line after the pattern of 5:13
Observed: 12:49
